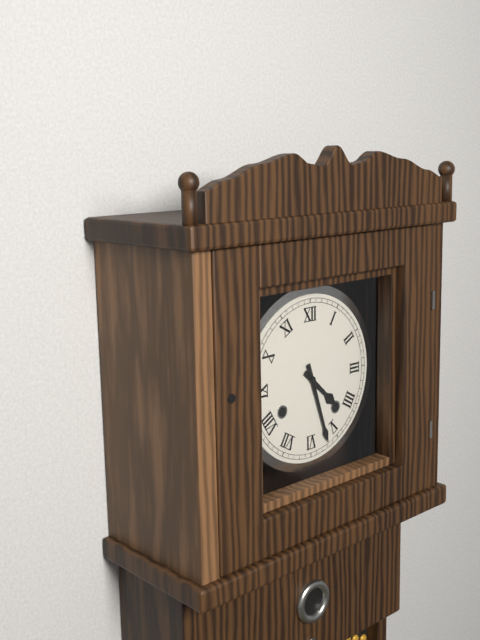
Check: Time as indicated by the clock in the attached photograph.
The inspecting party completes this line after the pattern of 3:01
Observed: 4:27
